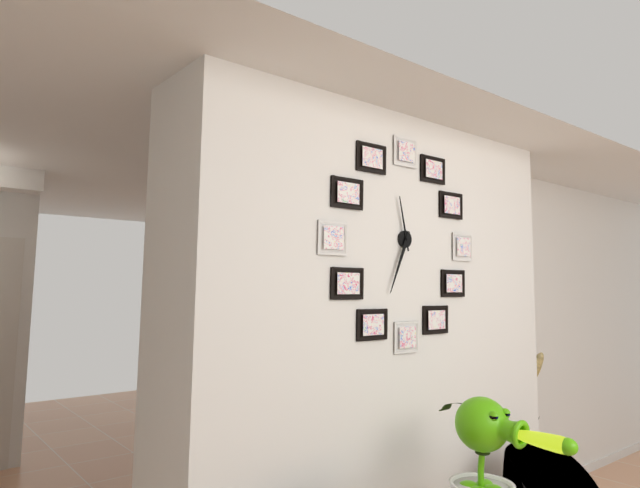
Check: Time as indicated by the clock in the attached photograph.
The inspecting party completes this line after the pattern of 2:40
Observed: 11:34
